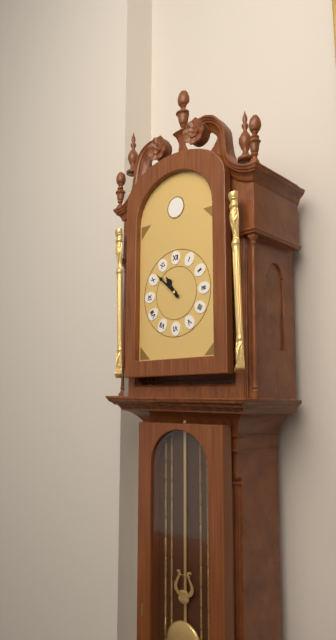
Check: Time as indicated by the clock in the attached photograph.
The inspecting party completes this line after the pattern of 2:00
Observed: 10:52
